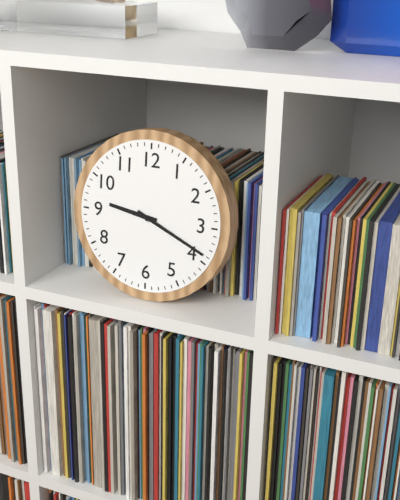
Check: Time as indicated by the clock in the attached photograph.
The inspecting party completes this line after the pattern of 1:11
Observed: 9:19
